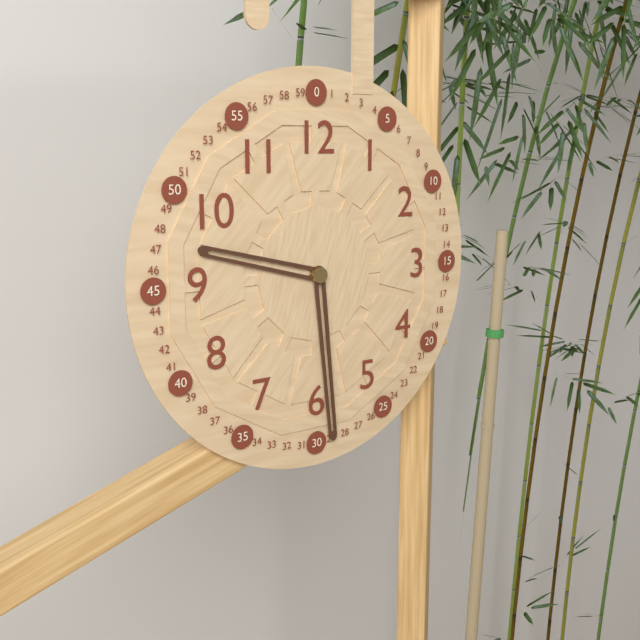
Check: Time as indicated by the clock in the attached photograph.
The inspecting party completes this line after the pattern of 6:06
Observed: 9:29
